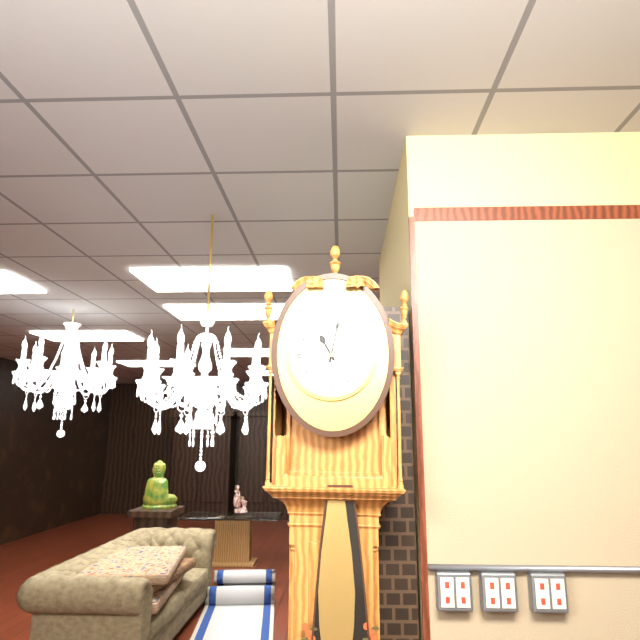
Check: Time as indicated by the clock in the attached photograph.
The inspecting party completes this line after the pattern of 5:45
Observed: 11:02
